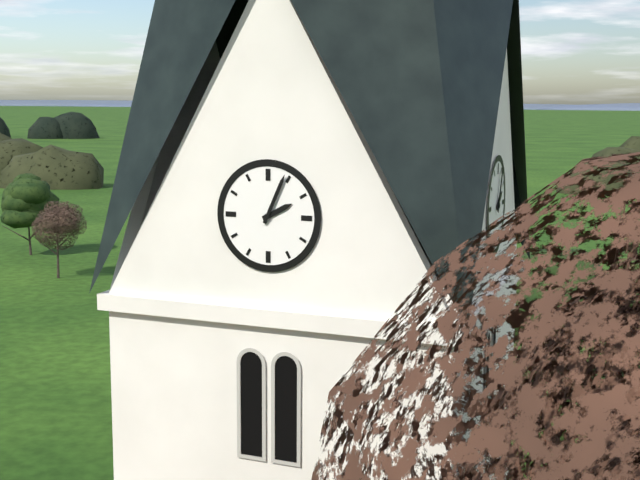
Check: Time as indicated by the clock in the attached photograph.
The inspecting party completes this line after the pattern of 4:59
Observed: 2:04
